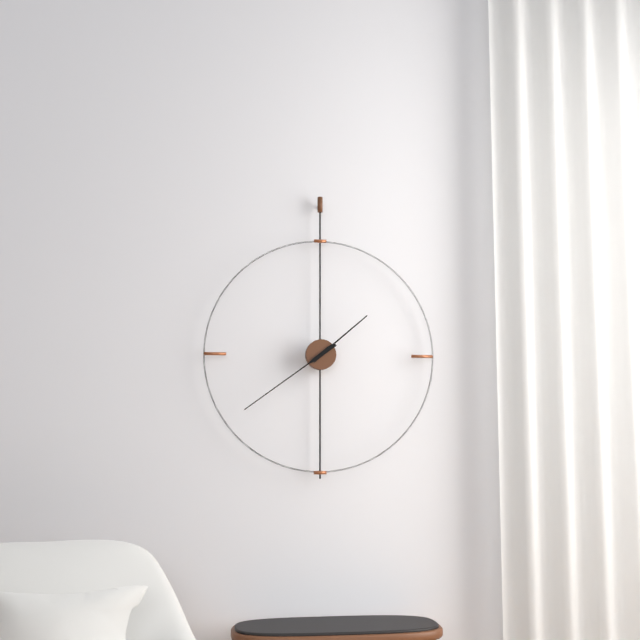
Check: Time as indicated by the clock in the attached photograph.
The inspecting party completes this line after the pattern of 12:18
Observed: 1:39
